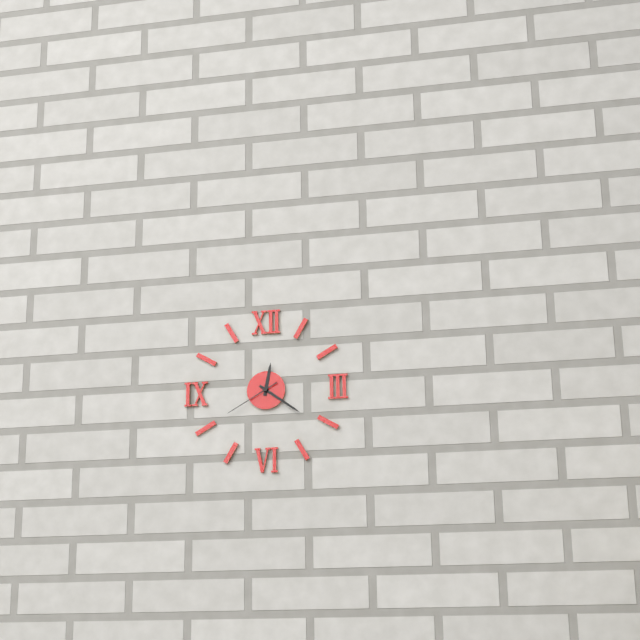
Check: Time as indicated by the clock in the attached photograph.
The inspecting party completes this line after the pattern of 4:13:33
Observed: 12:21:40
